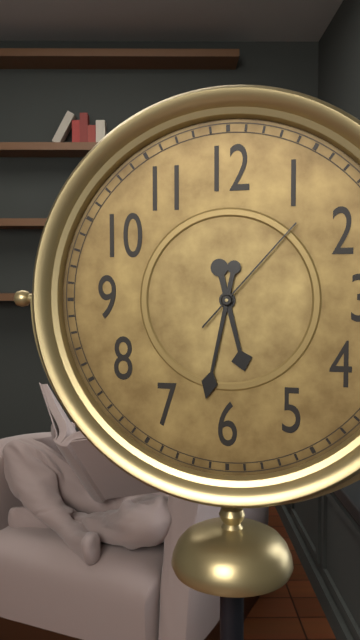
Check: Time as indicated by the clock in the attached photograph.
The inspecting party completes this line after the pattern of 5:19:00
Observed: 5:32:07
